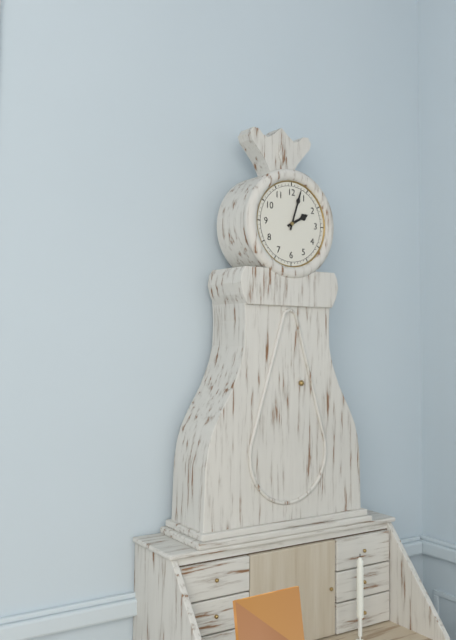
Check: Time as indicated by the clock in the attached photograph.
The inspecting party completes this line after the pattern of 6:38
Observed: 2:03
